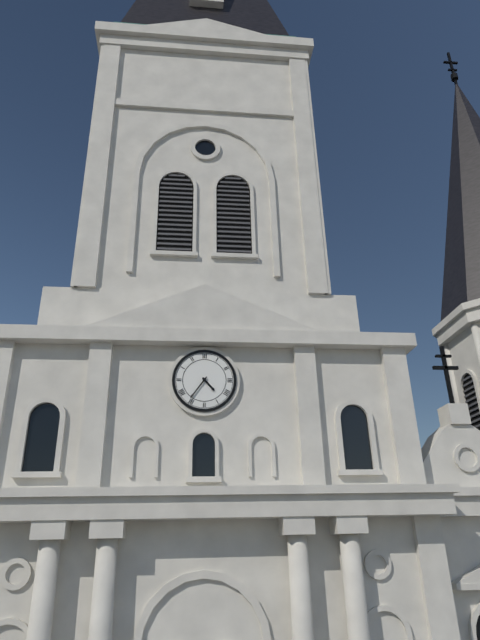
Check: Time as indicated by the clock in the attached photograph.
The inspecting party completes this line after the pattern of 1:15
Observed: 4:36
